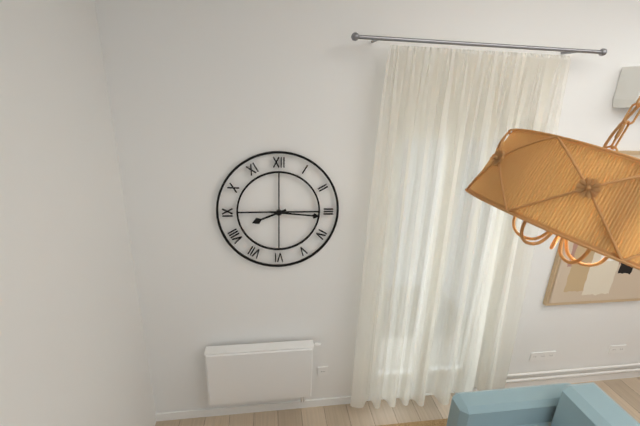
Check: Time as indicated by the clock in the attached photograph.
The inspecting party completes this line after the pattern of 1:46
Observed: 8:16
